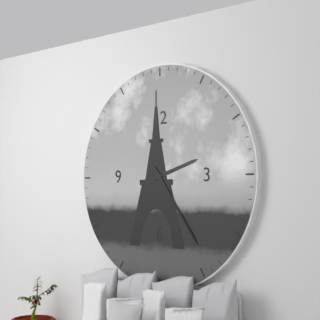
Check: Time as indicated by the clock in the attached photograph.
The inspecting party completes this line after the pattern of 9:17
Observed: 2:24
